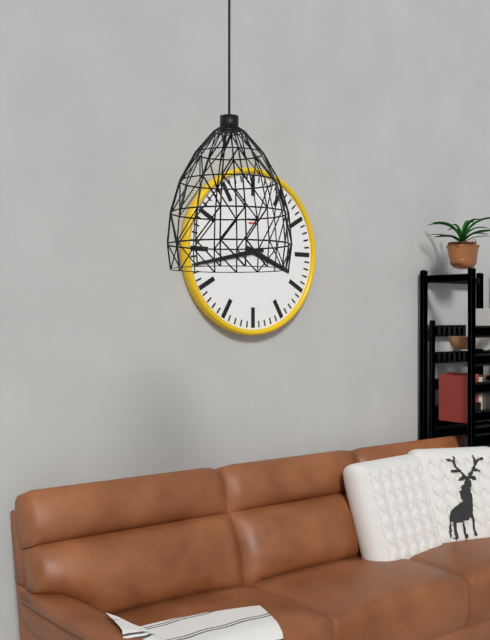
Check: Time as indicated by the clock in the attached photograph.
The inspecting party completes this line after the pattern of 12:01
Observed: 3:43
